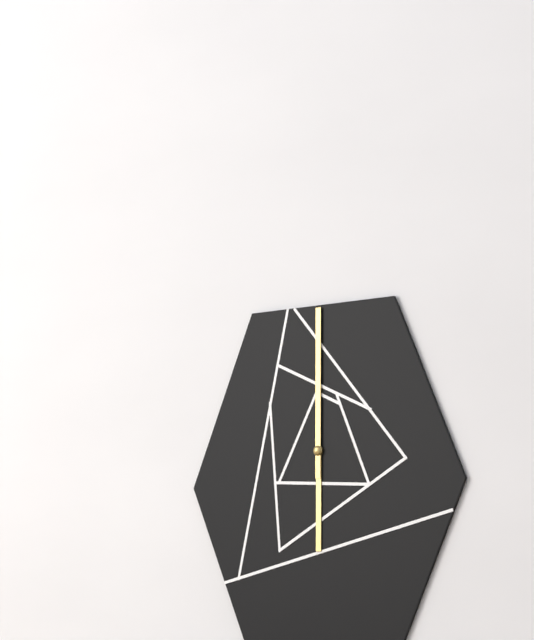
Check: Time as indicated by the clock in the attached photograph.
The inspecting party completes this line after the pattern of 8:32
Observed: 6:00
